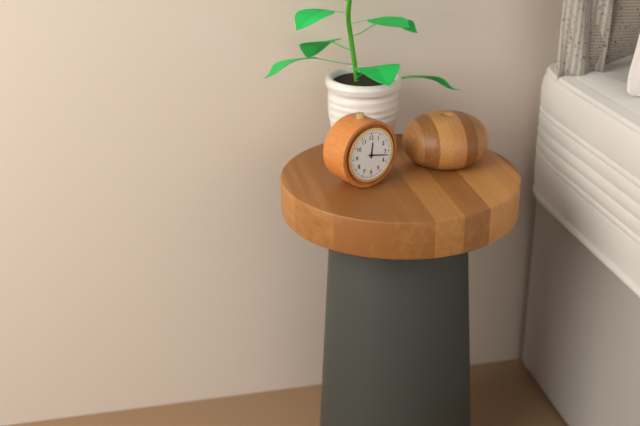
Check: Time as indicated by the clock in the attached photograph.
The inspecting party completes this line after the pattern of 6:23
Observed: 12:17
